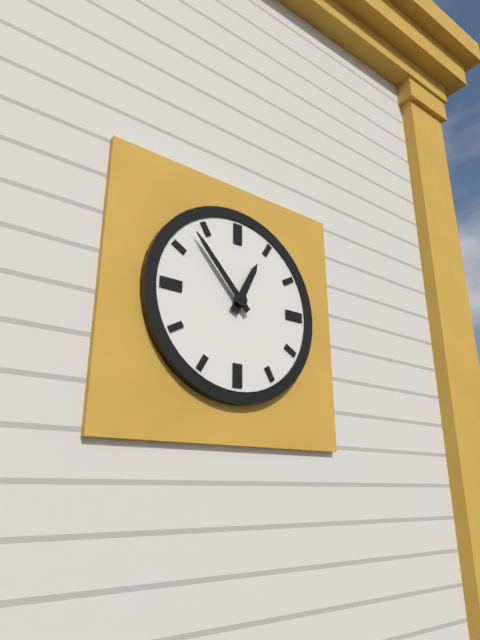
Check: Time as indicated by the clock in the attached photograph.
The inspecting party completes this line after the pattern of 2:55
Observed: 12:53
